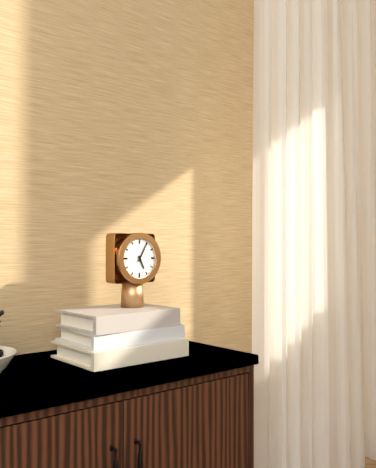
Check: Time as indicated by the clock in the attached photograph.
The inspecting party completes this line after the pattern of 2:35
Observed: 5:05
